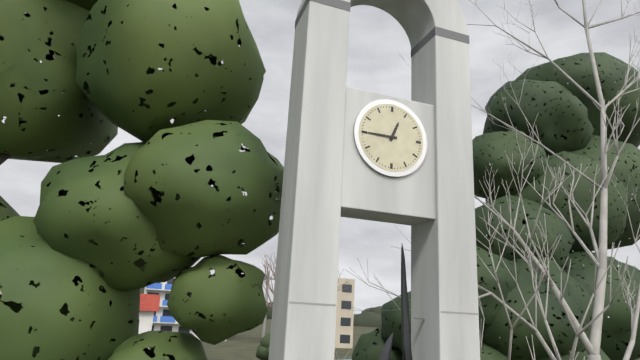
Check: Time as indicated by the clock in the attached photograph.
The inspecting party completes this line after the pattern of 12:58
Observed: 12:45
